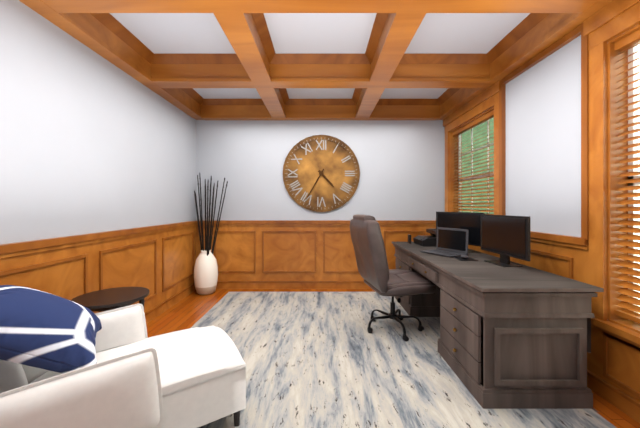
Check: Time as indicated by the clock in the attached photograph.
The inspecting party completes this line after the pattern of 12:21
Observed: 4:35
